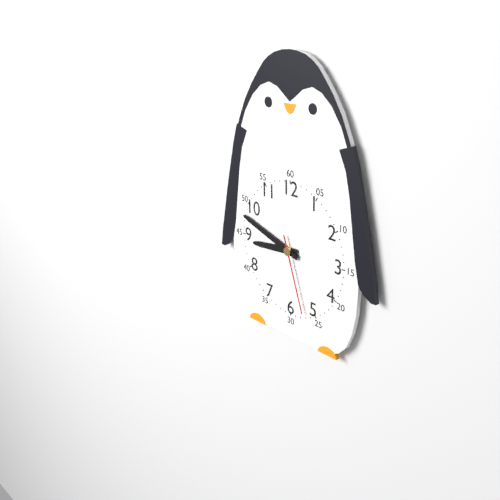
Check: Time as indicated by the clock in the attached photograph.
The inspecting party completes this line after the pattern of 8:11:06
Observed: 8:48:27
